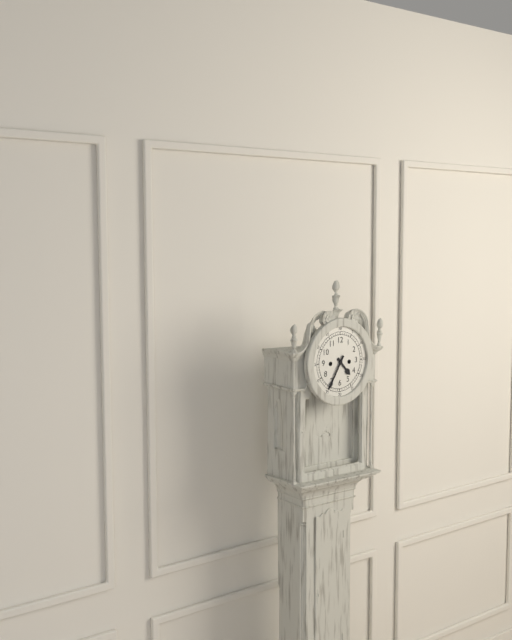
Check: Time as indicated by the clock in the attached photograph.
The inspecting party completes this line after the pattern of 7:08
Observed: 4:35
